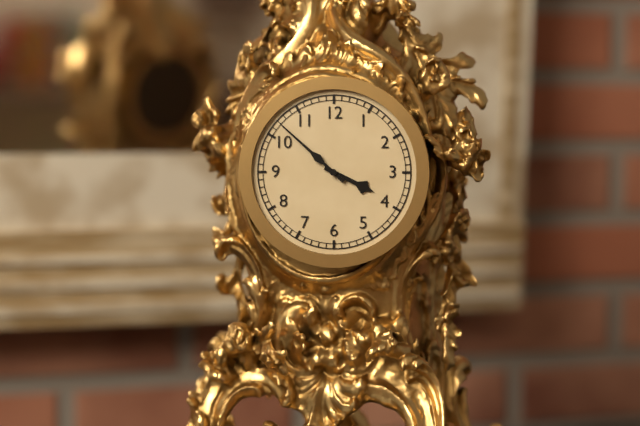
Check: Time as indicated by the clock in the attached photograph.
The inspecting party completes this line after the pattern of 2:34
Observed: 3:52
